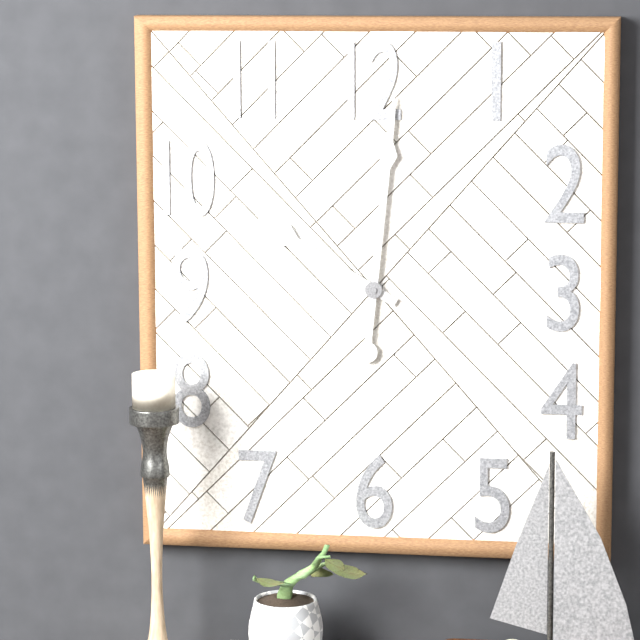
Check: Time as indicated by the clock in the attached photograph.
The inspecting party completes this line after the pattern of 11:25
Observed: 10:01
